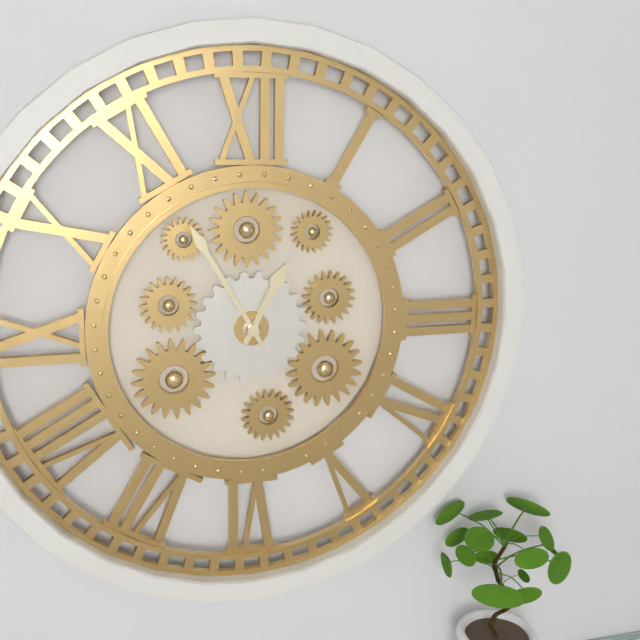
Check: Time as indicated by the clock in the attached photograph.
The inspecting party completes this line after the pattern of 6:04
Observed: 12:55
